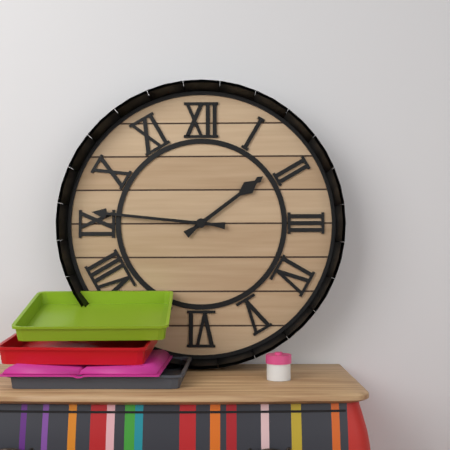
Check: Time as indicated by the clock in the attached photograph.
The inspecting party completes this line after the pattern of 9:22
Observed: 1:46
